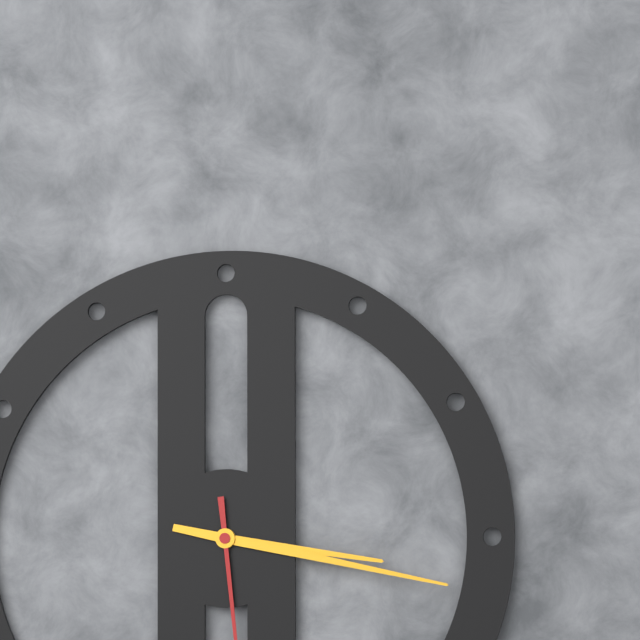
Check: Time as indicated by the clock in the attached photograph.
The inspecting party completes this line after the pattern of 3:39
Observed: 3:17
